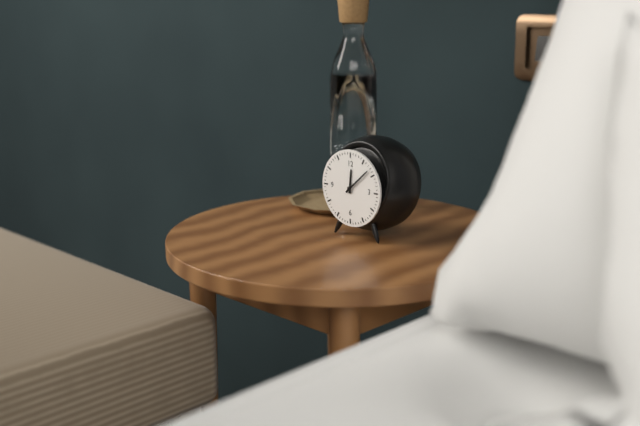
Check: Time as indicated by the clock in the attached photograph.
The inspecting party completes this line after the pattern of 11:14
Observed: 12:08
